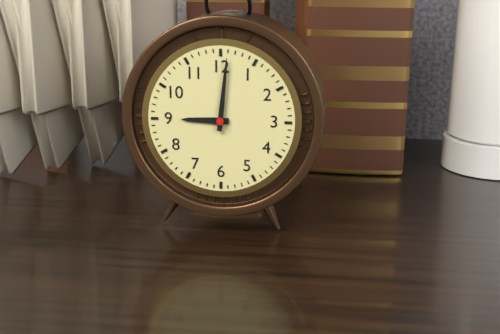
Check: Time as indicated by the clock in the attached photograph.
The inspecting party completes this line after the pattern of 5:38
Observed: 9:01
